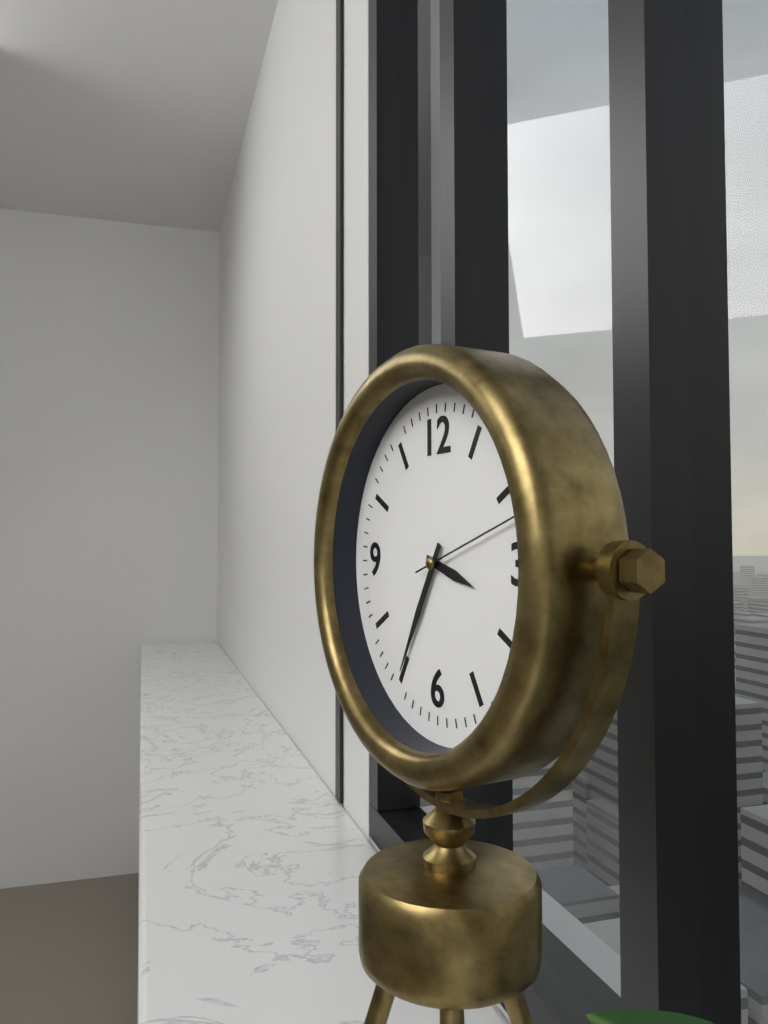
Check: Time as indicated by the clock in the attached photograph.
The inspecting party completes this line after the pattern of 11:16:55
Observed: 3:35:12
